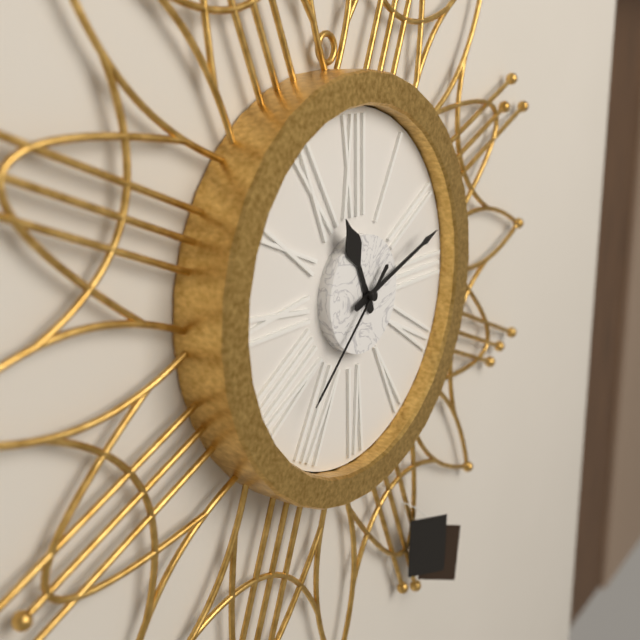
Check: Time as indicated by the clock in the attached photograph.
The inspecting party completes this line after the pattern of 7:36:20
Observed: 11:12:38
